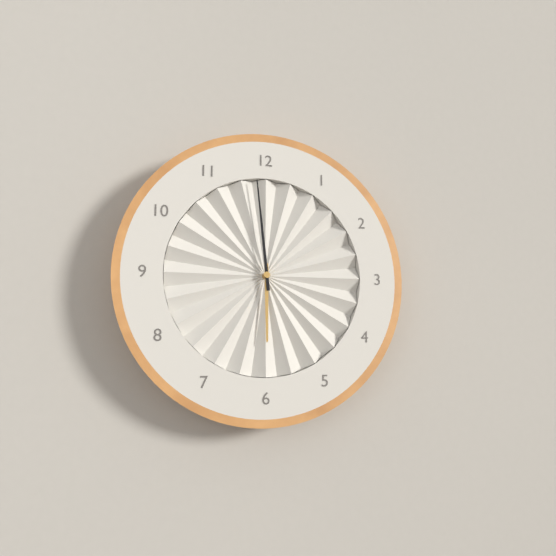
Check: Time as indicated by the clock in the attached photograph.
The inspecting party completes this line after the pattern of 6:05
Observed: 5:59
